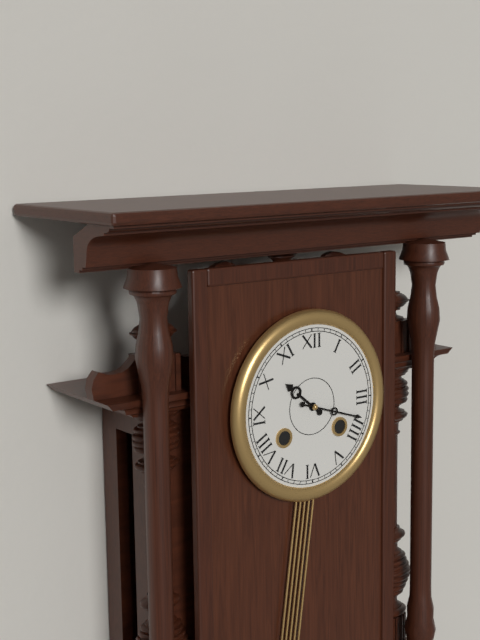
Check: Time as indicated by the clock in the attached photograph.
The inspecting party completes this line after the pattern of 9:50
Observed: 10:18
